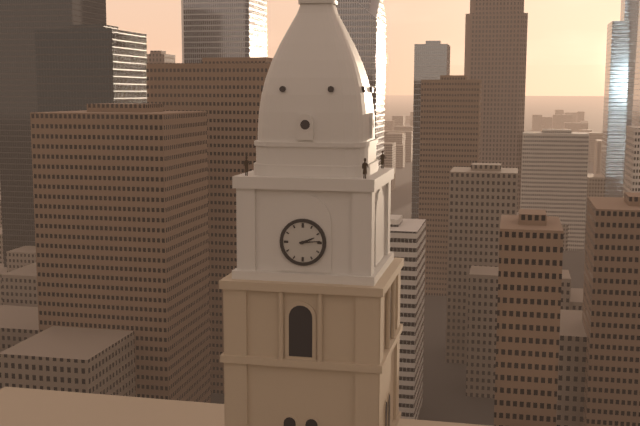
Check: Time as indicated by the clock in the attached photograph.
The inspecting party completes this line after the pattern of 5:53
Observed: 2:14
